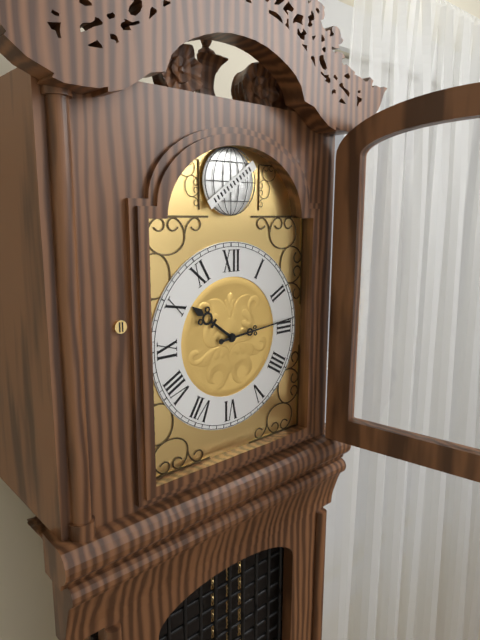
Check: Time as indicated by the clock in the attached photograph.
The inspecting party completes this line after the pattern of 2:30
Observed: 10:14
